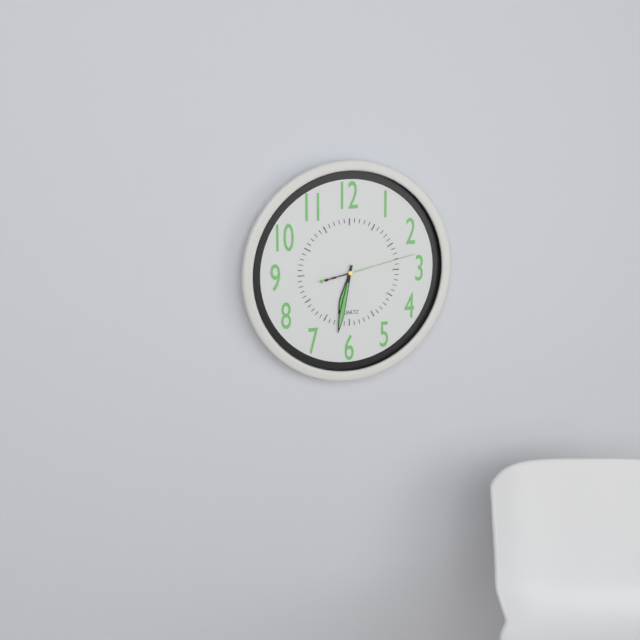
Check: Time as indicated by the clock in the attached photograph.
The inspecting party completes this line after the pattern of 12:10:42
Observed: 6:32:13
